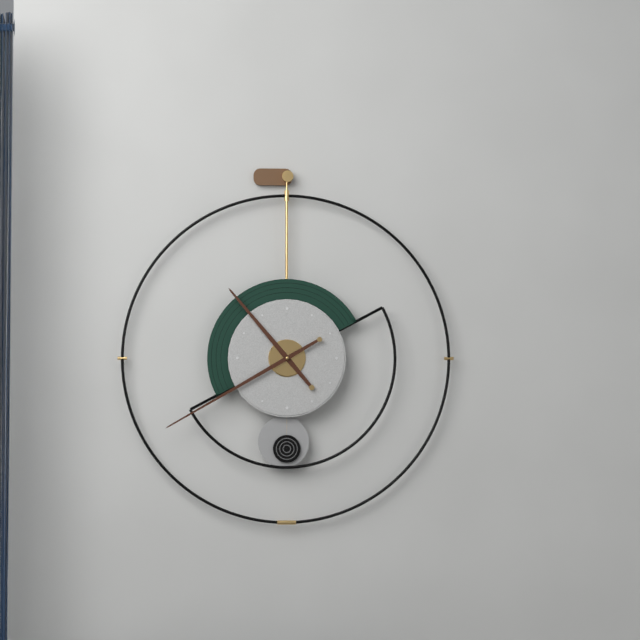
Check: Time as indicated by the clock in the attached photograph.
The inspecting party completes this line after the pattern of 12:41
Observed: 10:40
